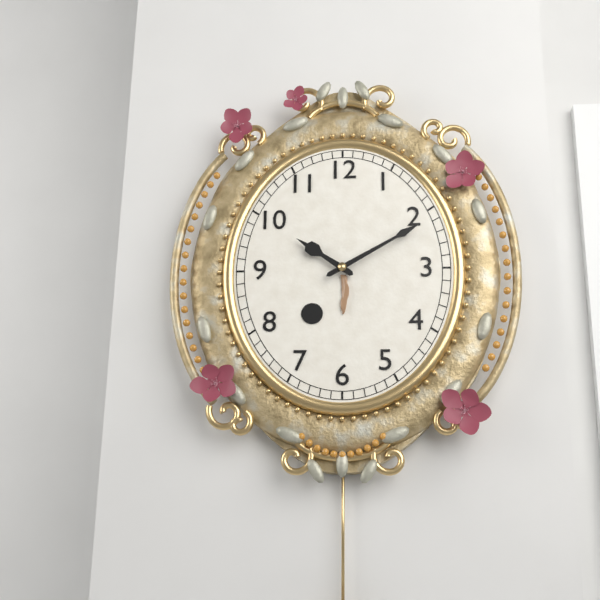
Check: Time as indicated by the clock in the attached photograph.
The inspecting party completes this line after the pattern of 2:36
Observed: 10:10
